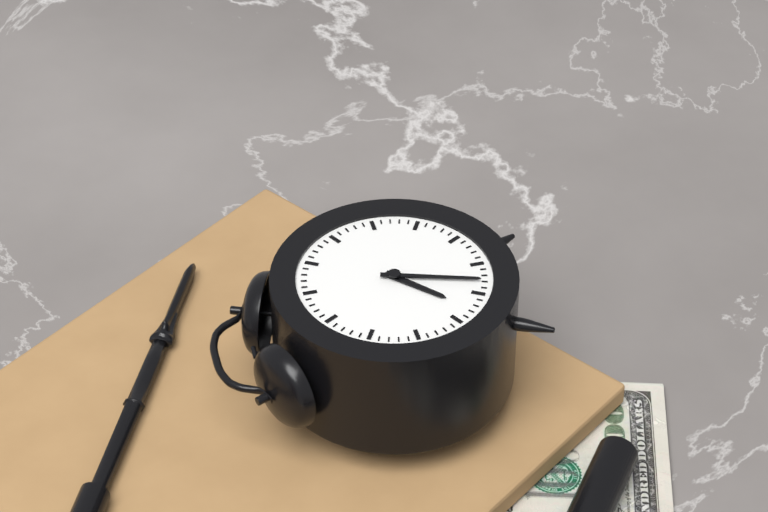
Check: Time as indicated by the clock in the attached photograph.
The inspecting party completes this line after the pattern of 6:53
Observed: 7:33
